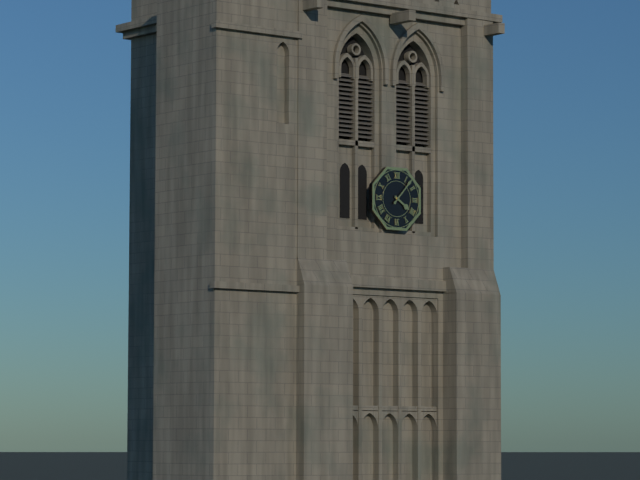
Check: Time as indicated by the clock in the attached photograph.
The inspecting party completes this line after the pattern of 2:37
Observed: 4:07
